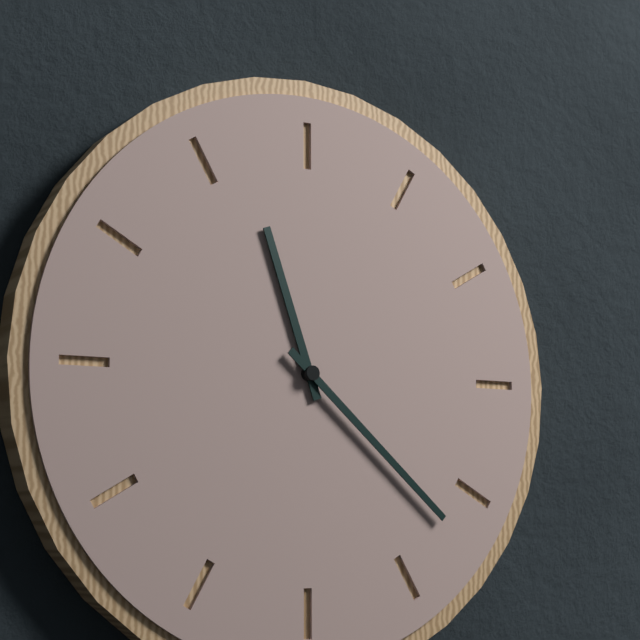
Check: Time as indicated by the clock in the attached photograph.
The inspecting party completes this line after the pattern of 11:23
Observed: 11:22
